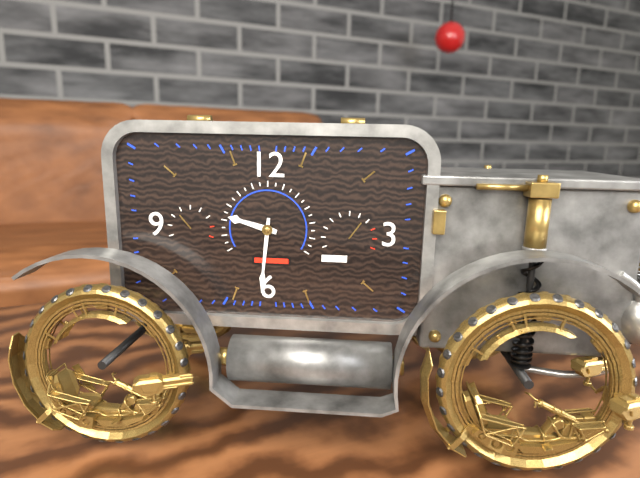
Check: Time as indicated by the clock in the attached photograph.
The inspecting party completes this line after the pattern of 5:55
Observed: 9:31
